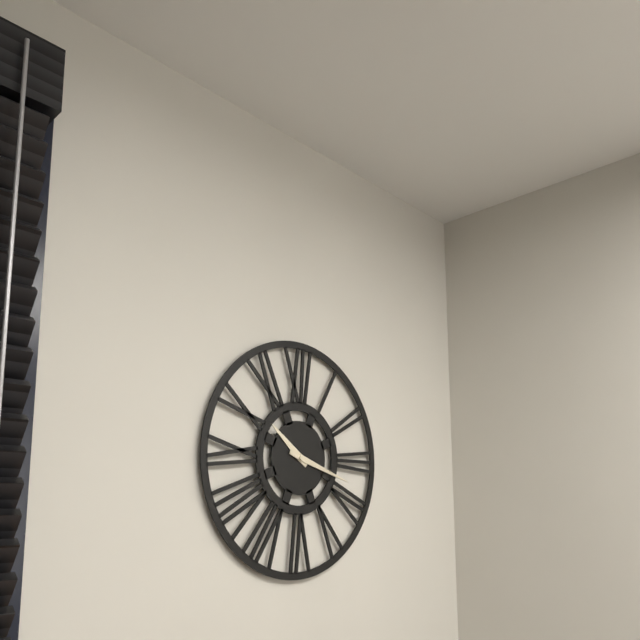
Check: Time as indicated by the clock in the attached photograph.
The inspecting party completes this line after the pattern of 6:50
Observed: 10:18
